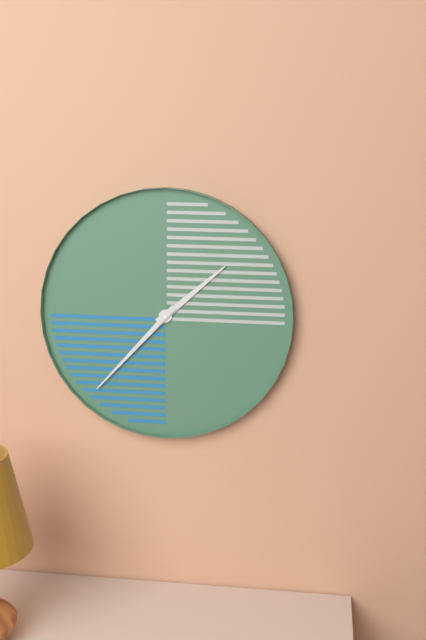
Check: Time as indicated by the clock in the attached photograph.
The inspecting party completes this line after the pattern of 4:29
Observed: 1:37
